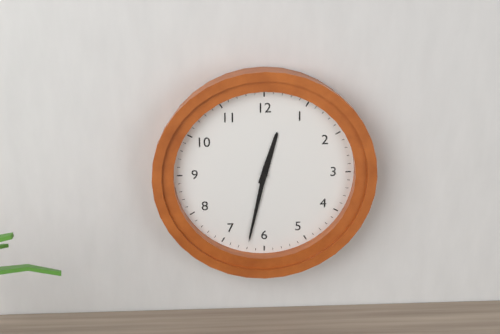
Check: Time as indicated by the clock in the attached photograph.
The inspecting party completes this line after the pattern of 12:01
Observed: 12:32
